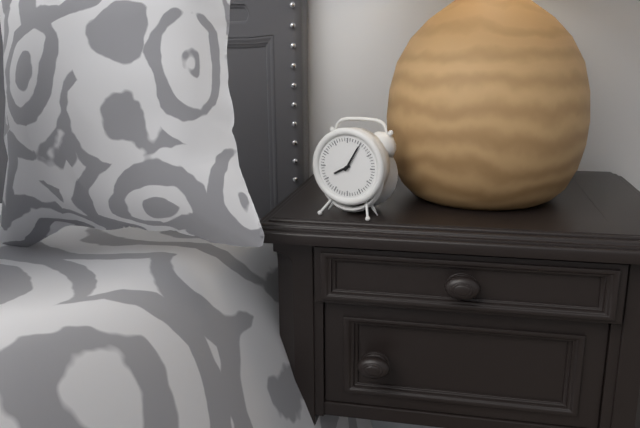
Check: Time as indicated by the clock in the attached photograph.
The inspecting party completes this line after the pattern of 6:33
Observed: 8:05
